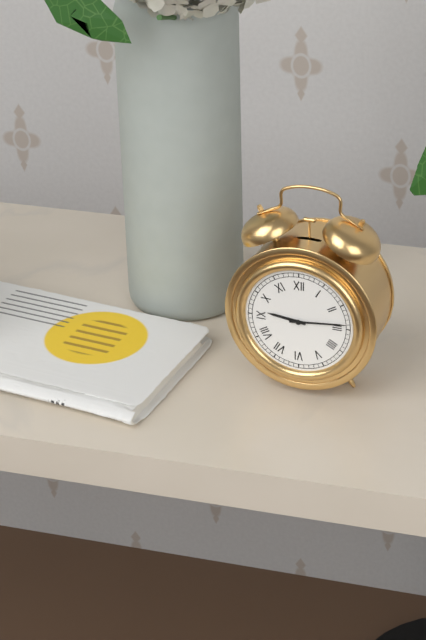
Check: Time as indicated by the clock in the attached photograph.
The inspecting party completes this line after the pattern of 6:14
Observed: 9:14
